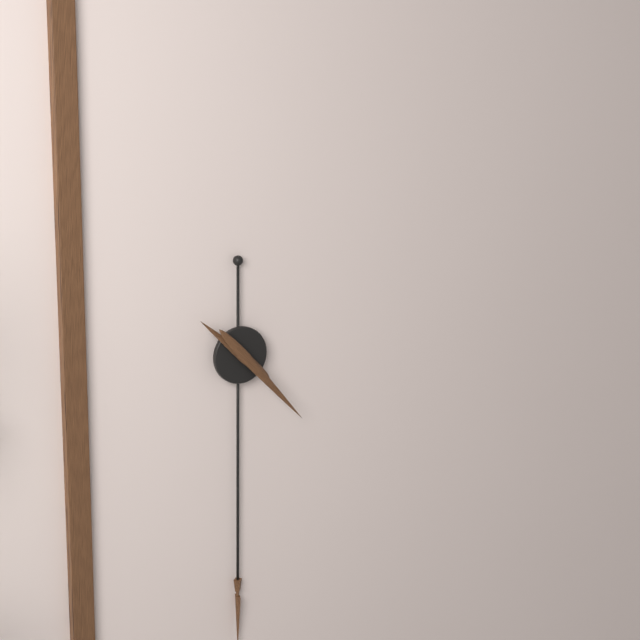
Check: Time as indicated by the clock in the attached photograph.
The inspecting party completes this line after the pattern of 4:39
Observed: 10:23
